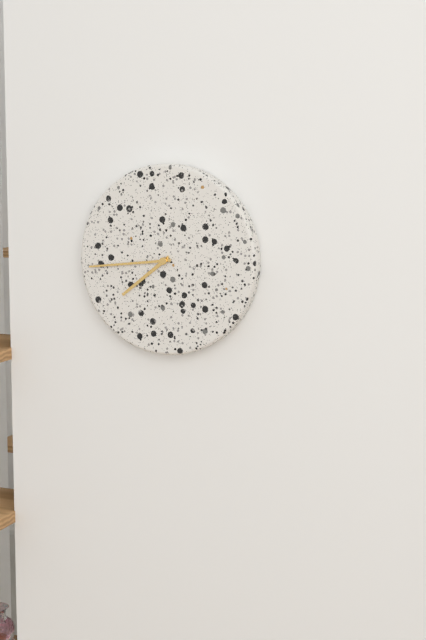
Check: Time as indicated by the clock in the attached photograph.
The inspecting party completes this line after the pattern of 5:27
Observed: 7:44
